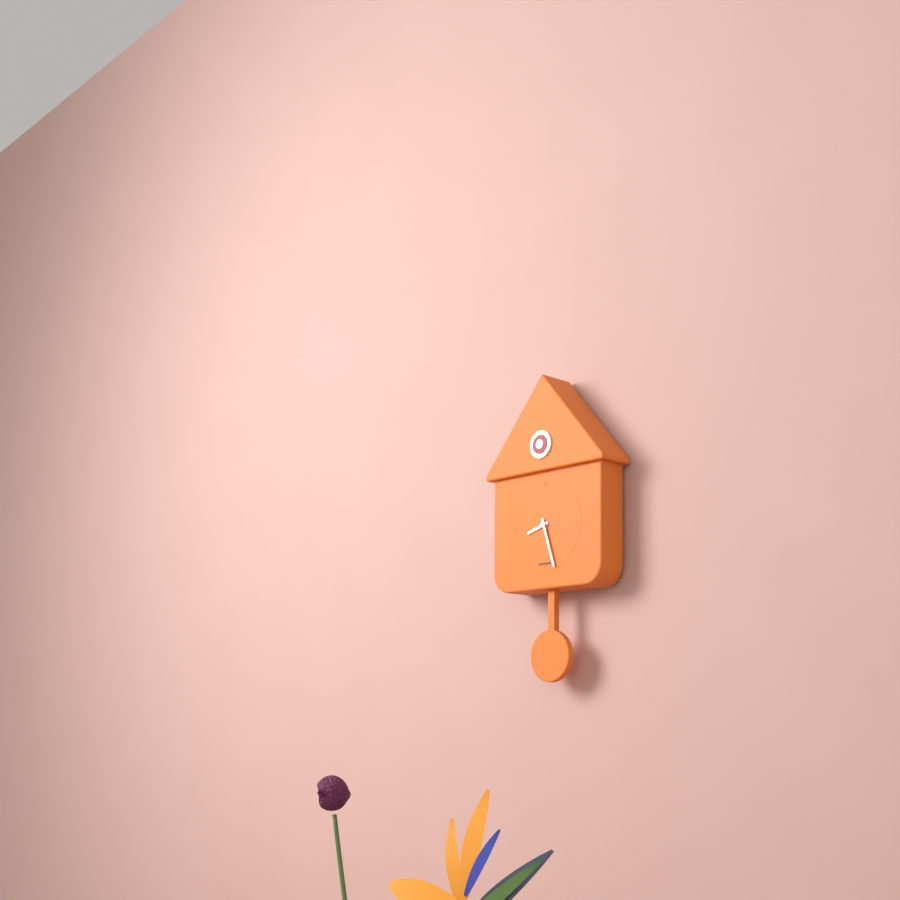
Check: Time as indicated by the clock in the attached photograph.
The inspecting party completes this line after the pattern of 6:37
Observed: 8:27
